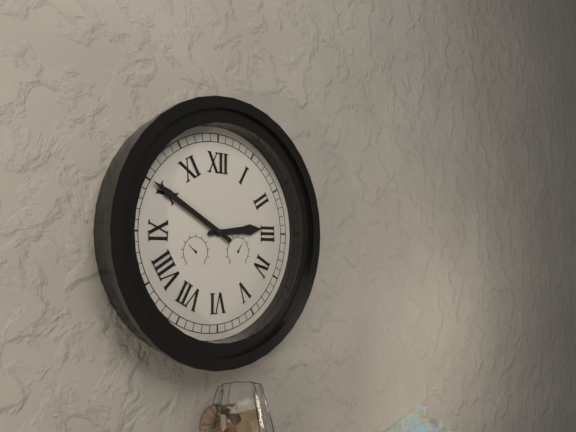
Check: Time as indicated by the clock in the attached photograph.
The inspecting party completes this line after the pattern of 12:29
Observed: 2:50
